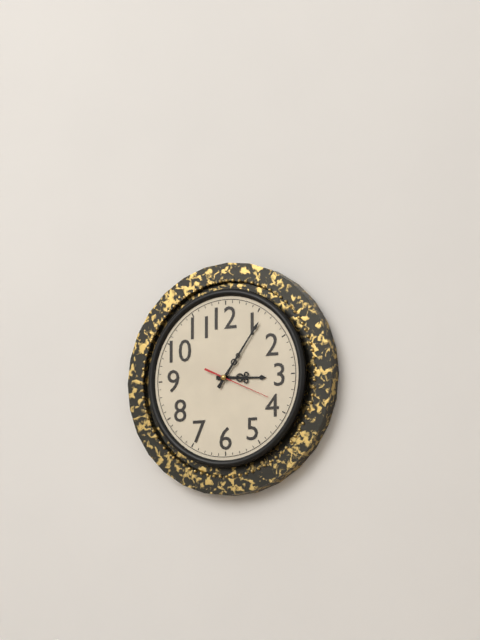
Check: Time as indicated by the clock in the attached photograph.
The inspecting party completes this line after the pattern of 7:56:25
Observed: 3:06:19
